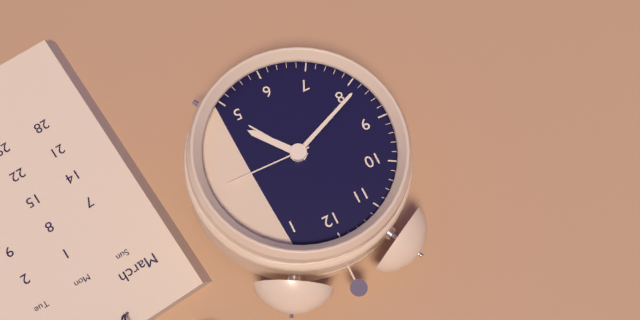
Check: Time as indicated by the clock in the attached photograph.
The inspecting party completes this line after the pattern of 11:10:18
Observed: 4:41:15
